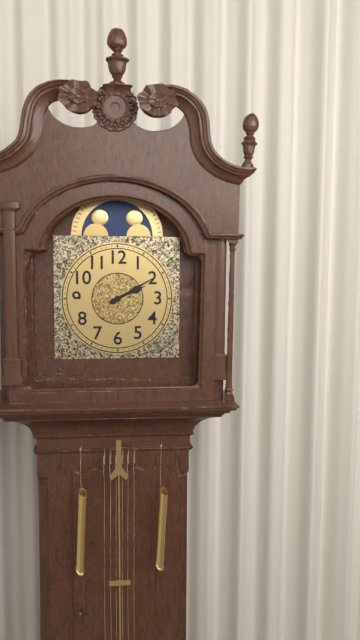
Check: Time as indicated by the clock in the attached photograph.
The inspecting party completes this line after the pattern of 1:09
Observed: 2:10
